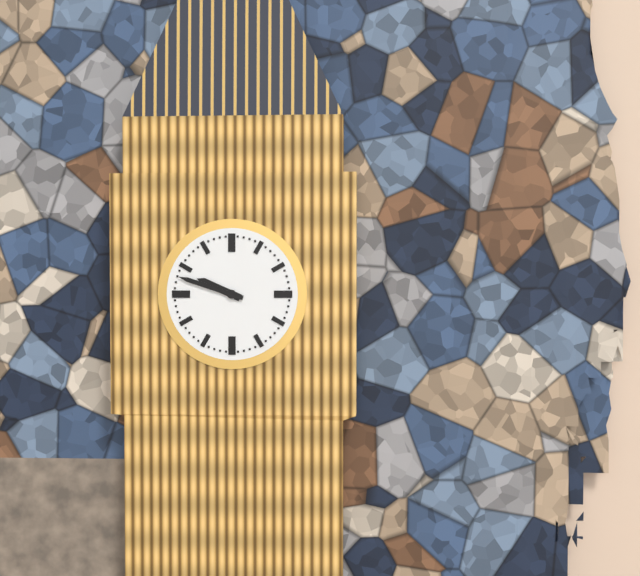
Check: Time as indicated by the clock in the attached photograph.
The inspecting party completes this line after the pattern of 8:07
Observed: 9:48
